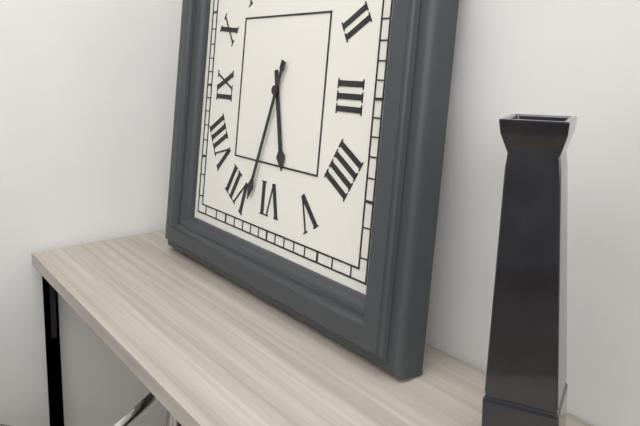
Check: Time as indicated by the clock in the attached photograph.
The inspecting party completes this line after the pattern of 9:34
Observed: 5:33
